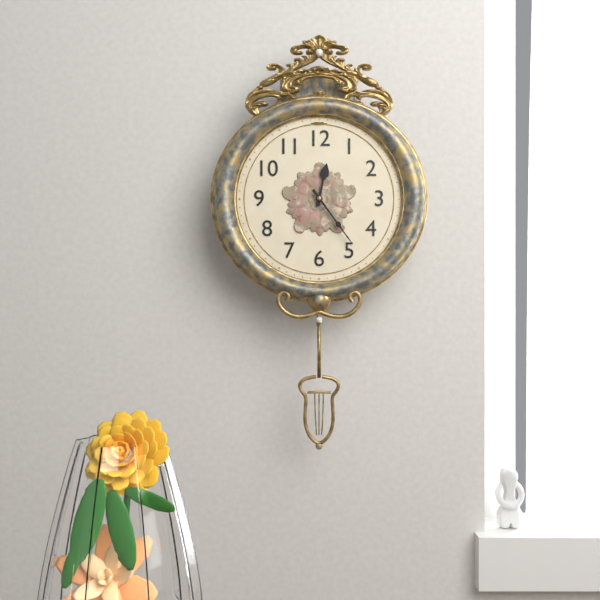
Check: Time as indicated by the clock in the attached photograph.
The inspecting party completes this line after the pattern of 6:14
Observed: 12:24
